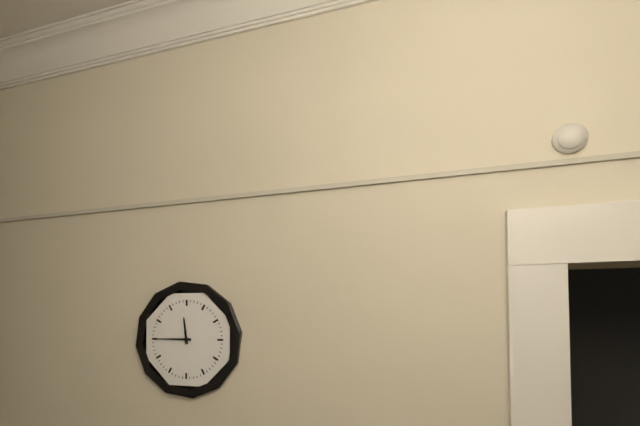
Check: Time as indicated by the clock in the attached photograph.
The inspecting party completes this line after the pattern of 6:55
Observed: 11:45
